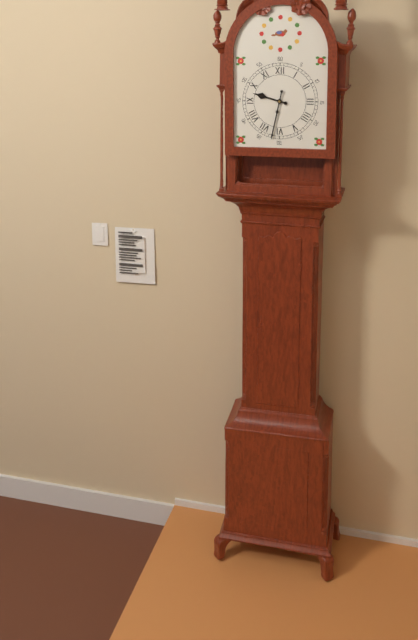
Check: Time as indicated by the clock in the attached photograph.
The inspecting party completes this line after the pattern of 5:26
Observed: 9:32
